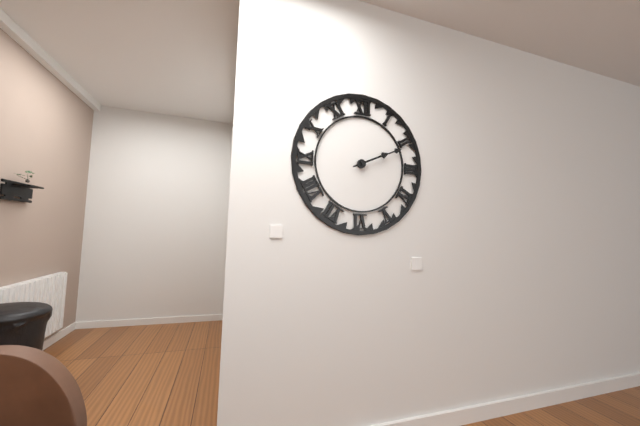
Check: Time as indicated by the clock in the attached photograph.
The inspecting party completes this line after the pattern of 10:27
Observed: 2:11
